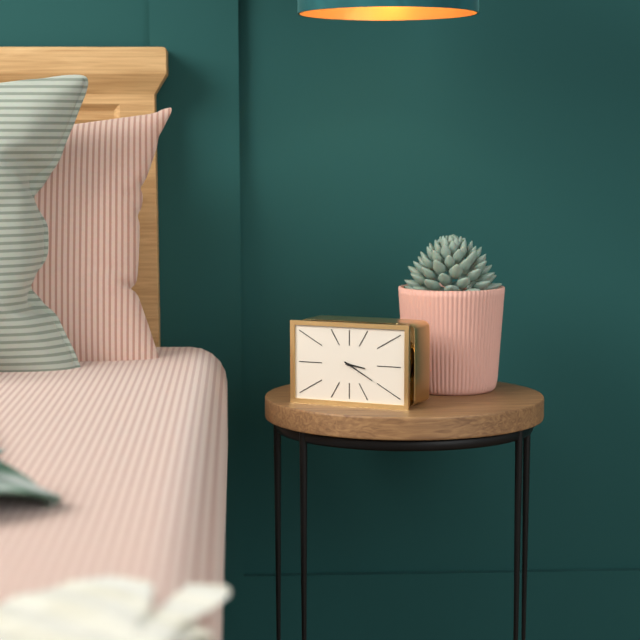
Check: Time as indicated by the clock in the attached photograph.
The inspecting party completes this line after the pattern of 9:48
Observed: 3:20
